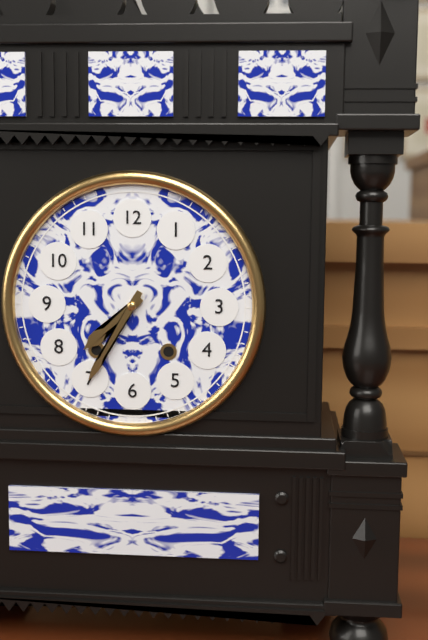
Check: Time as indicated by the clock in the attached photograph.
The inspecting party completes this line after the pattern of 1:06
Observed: 7:35
